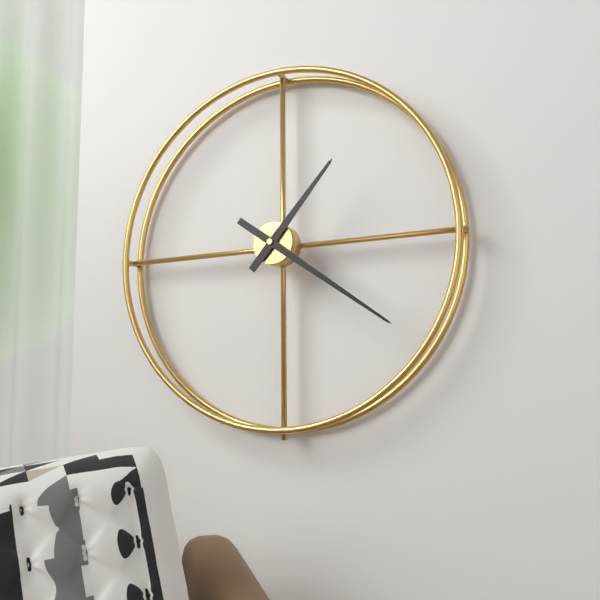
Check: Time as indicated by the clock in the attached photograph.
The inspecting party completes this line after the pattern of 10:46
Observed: 1:21
